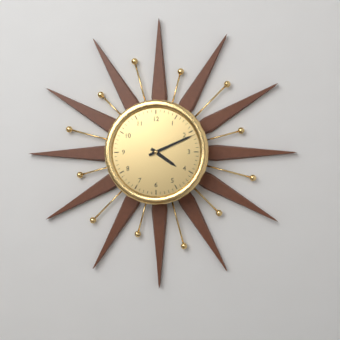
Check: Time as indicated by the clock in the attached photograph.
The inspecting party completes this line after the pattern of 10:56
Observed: 4:11
